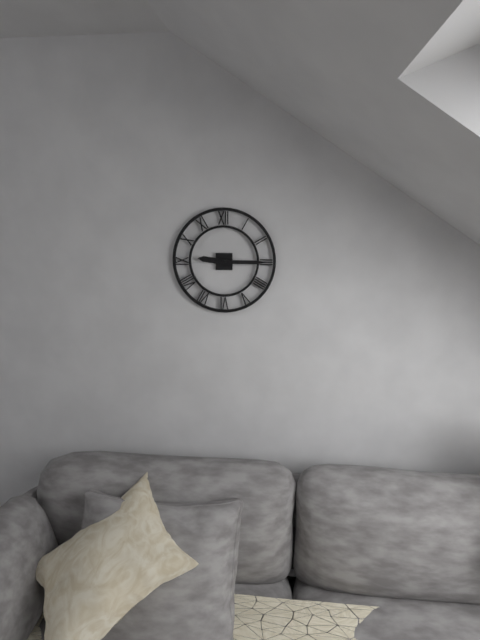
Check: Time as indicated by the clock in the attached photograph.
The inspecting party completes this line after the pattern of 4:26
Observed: 9:15
